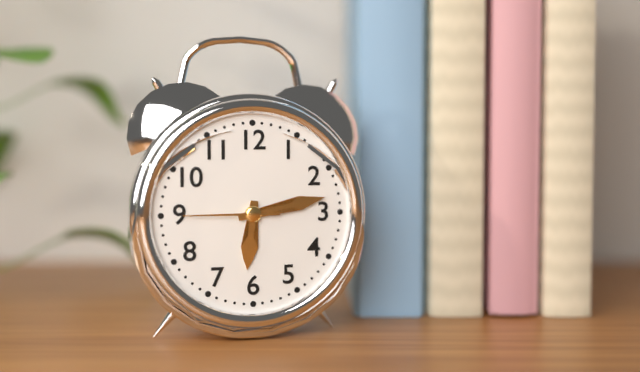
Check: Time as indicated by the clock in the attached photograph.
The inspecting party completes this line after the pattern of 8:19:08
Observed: 6:13:45
